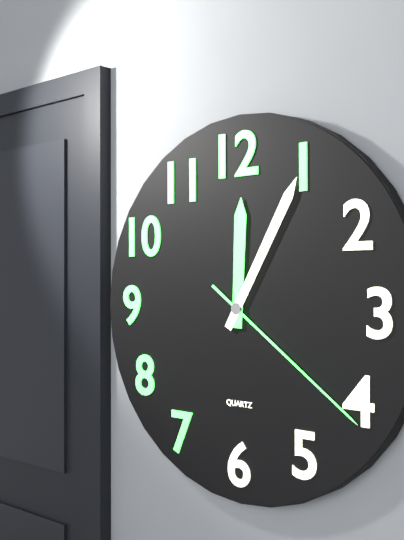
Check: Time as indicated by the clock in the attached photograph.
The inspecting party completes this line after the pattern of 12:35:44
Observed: 12:05:21
